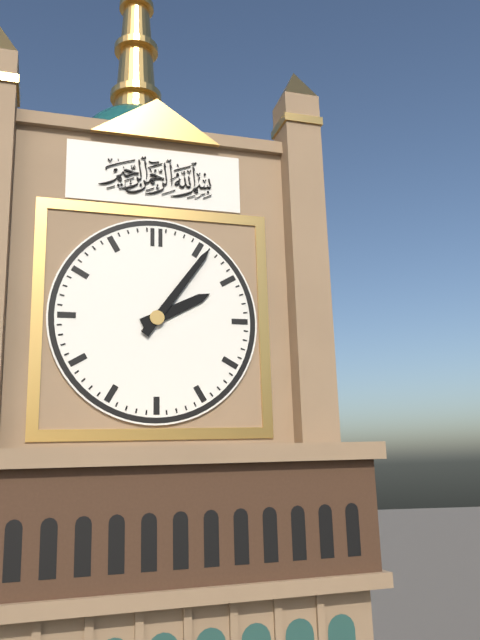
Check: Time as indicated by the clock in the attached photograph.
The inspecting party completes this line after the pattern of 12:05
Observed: 2:06
